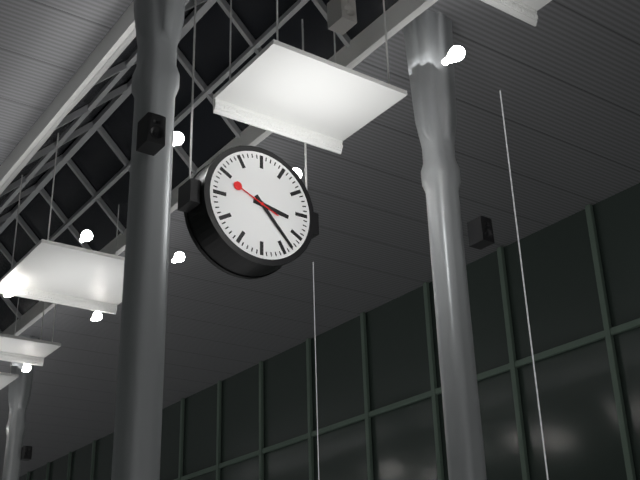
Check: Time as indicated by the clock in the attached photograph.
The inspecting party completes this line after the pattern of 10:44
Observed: 3:23
